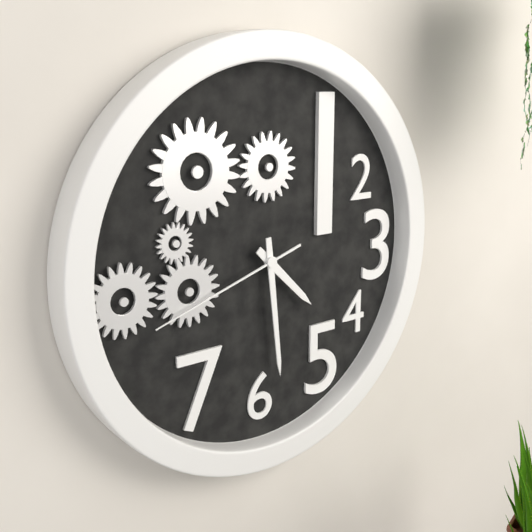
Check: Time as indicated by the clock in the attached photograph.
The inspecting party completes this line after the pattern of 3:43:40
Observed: 4:29:42
